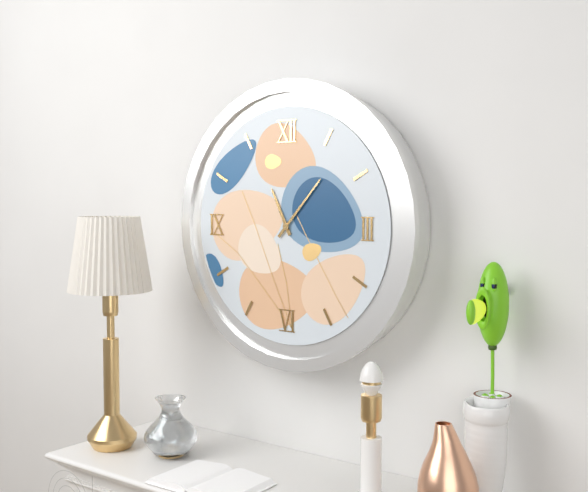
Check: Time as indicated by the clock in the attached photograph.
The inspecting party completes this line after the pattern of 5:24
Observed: 11:07
